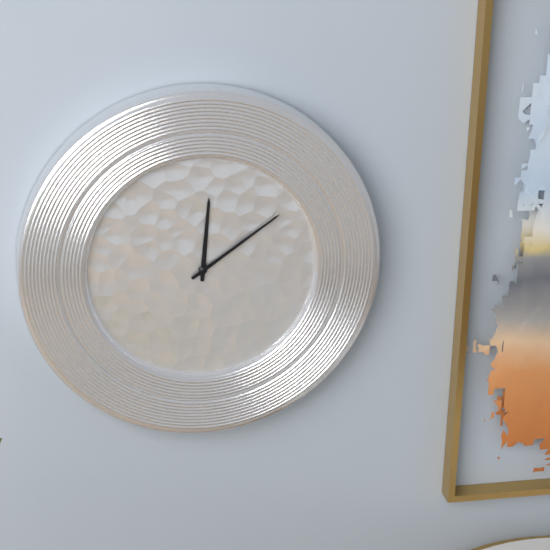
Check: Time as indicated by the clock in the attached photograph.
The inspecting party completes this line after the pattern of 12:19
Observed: 12:09
